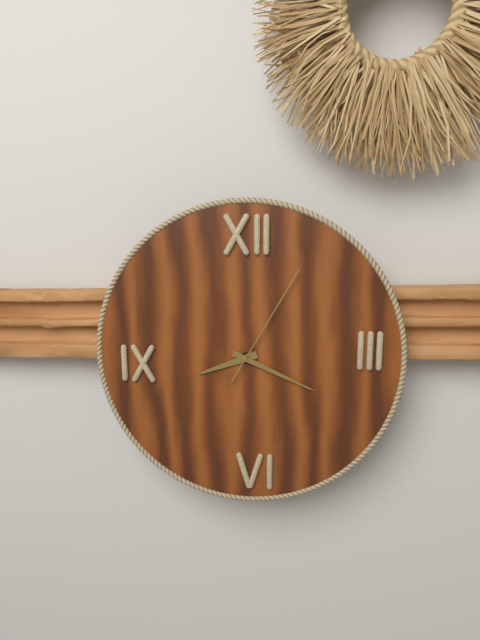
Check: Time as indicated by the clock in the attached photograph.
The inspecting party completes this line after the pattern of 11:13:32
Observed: 8:19:05
